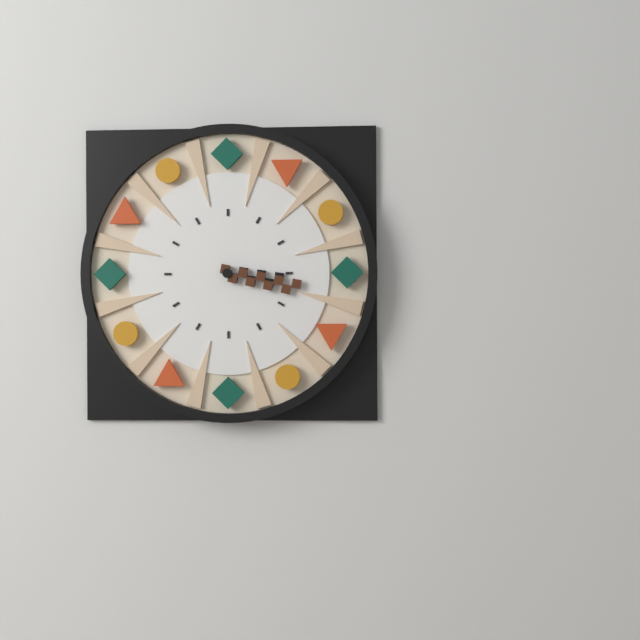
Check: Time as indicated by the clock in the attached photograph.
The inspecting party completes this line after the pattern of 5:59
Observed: 3:17
